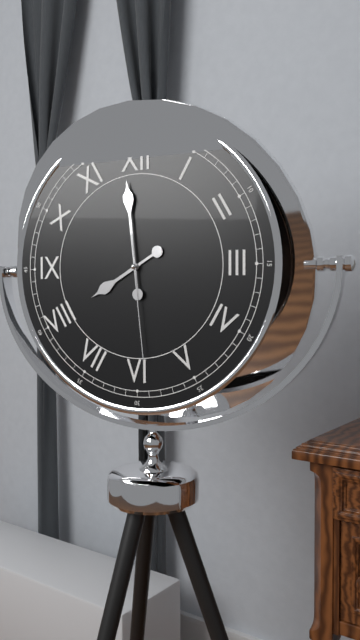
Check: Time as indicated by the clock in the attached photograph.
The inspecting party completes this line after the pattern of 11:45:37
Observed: 7:59:29
